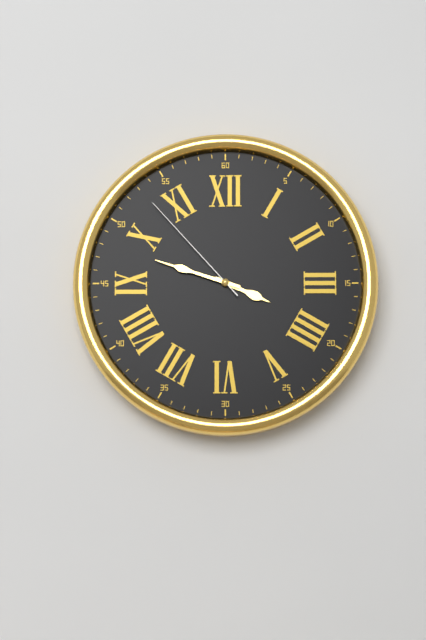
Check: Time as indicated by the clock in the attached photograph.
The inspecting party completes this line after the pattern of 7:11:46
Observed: 3:48:53
